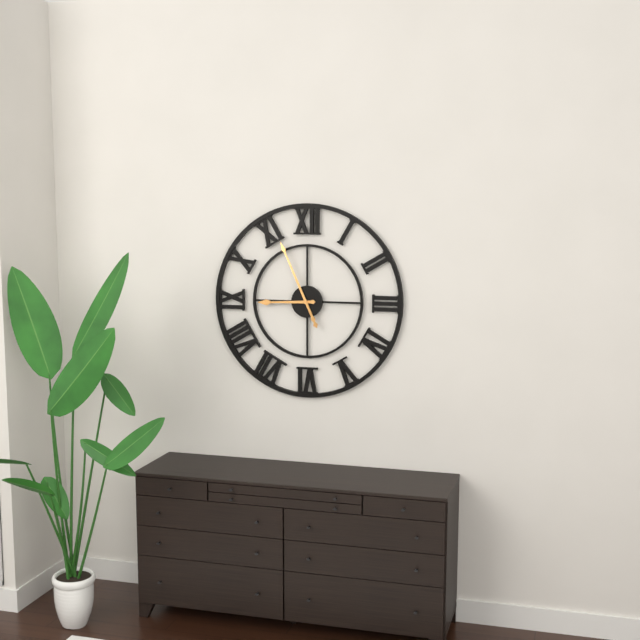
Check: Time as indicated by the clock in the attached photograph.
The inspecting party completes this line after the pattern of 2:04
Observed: 8:56
